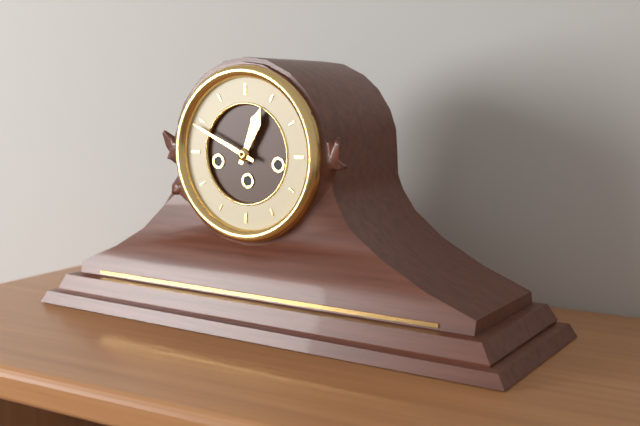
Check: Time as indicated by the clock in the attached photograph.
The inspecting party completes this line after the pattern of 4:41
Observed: 12:49
